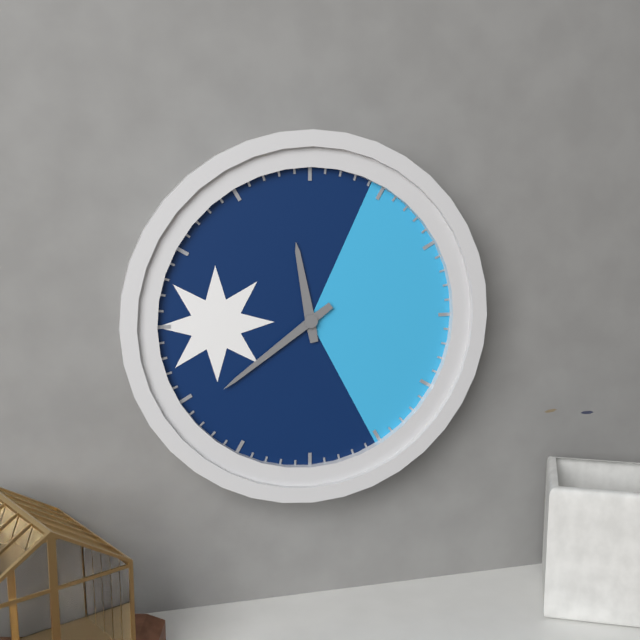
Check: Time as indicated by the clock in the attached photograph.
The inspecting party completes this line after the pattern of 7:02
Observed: 11:39
